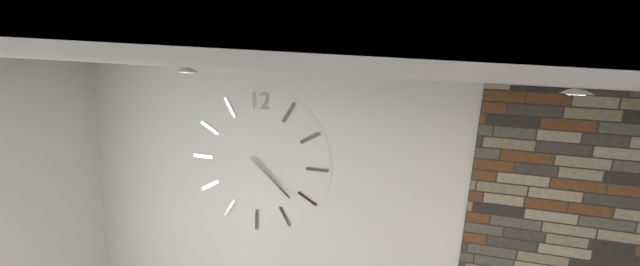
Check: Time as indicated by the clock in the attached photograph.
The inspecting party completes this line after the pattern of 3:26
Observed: 4:22
